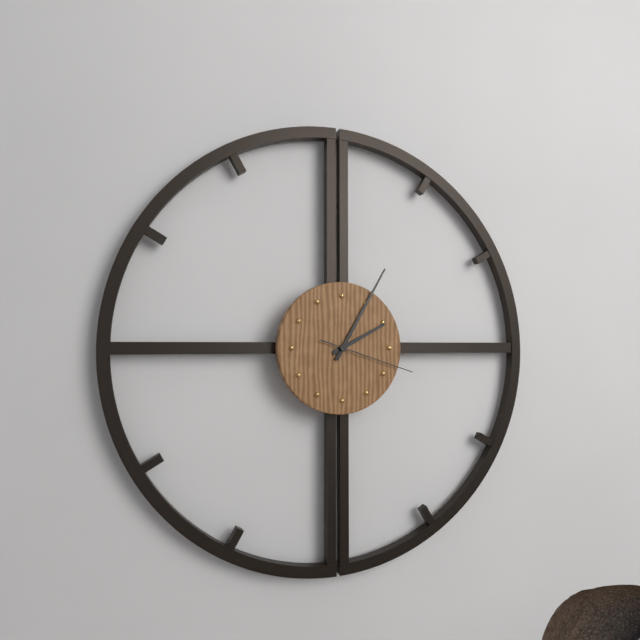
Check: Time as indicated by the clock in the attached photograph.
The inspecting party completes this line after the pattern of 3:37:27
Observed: 2:05:18
